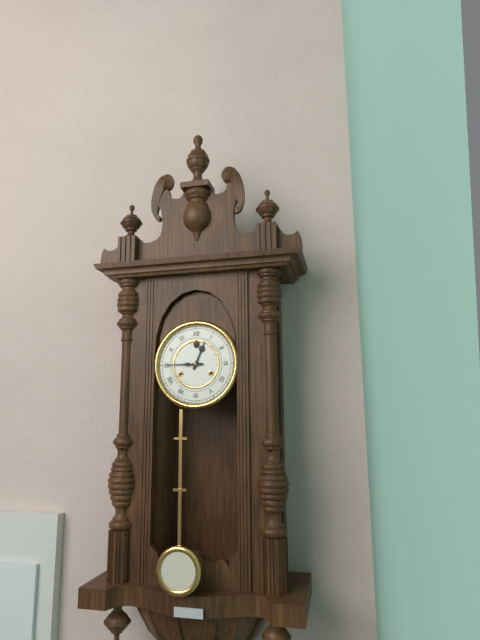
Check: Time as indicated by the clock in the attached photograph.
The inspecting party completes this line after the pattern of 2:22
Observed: 12:45
